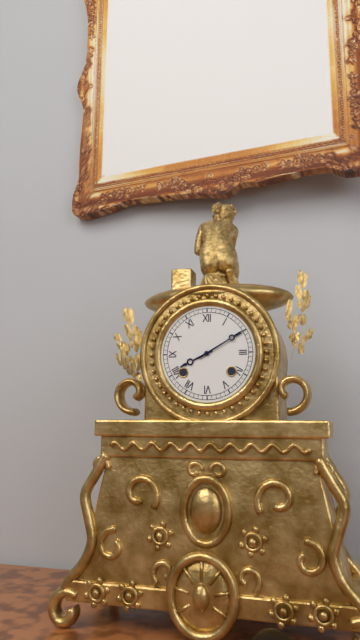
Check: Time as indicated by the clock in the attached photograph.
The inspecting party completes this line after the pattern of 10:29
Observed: 8:10
